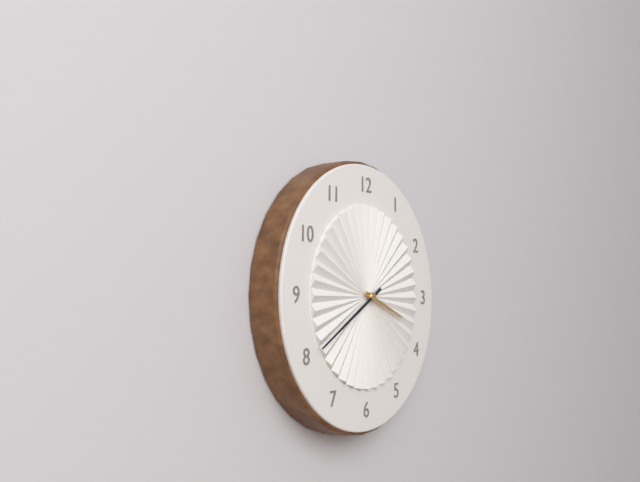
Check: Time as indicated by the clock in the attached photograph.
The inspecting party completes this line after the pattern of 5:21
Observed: 3:40
